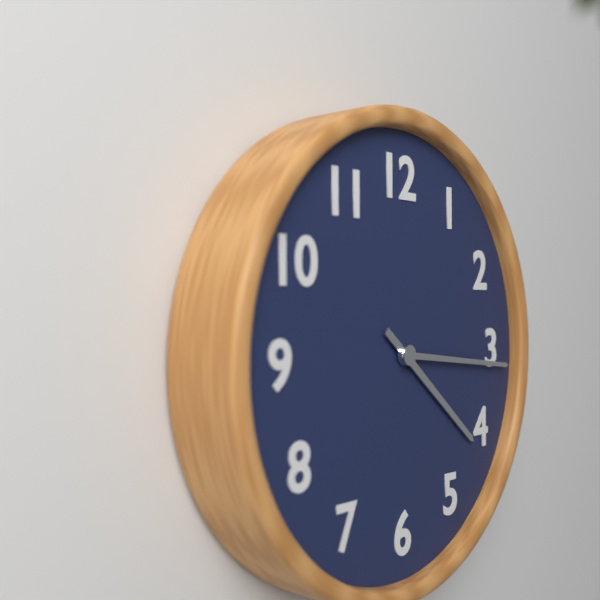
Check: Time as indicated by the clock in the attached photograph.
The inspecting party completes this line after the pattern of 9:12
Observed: 4:16
